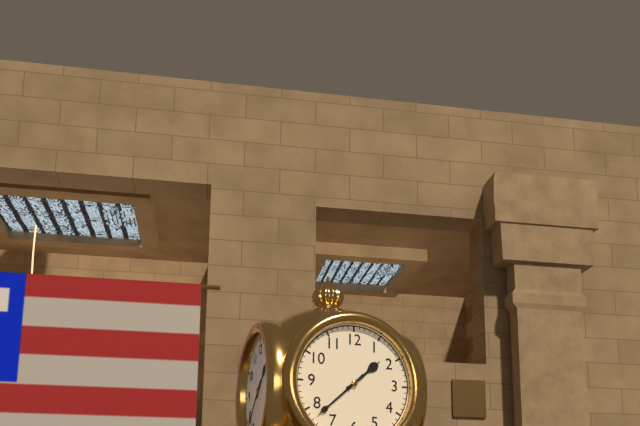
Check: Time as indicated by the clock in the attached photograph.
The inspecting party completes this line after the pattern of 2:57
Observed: 1:38
